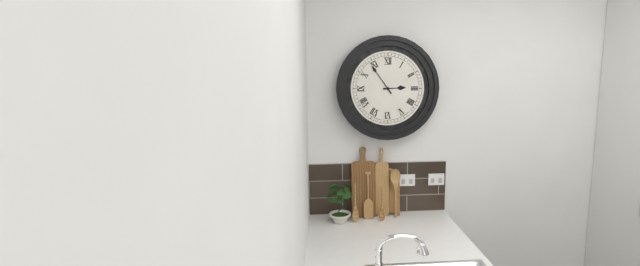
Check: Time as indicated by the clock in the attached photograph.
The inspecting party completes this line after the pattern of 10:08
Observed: 2:54
